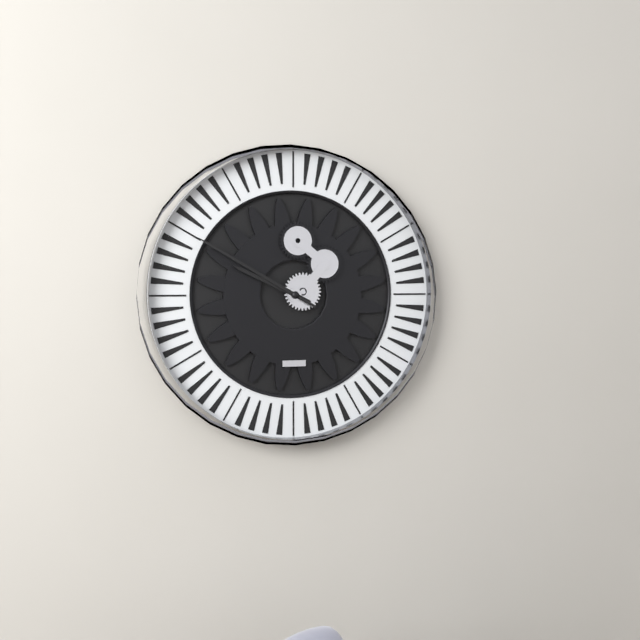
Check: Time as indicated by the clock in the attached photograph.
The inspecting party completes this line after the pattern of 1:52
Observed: 9:50
